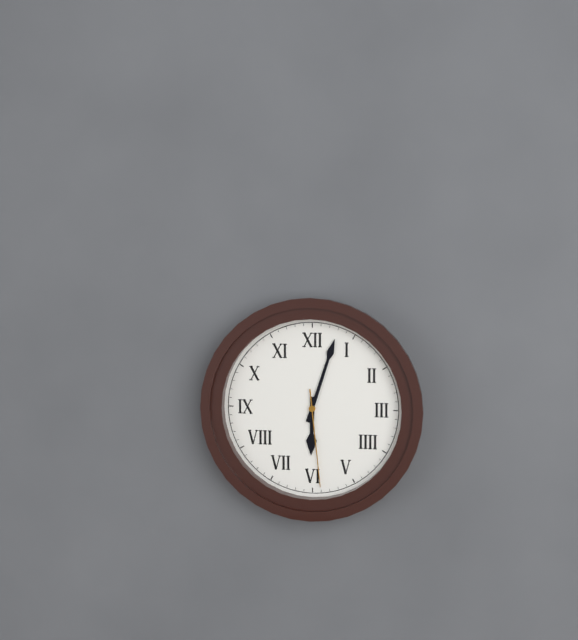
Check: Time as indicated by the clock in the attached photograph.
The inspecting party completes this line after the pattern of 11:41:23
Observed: 6:03:29
